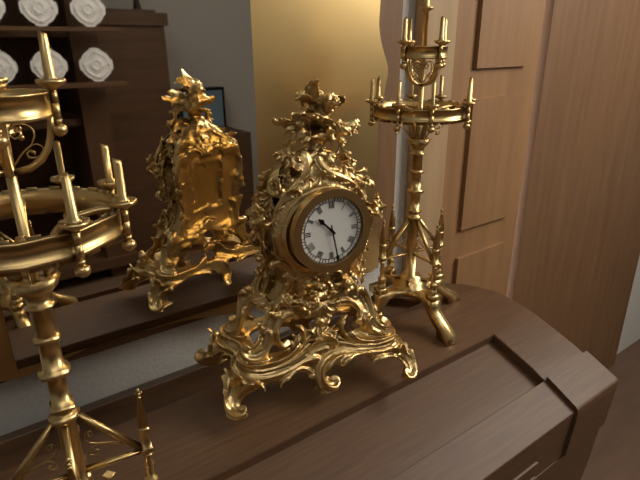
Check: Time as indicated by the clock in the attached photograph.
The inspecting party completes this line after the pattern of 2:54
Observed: 10:28
